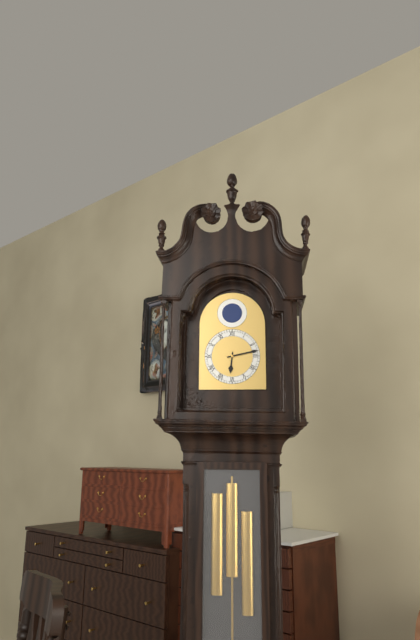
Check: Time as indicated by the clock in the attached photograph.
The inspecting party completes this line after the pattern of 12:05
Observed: 6:13
